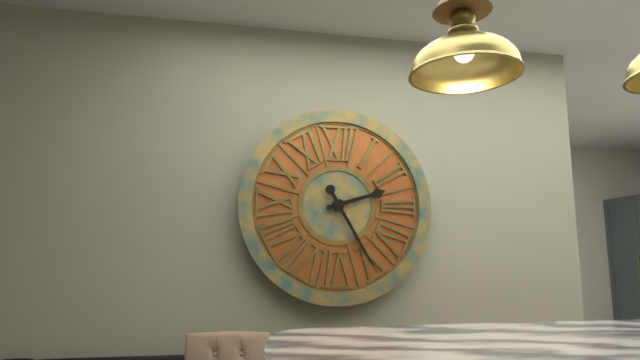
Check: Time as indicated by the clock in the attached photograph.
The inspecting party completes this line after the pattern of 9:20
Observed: 2:25
